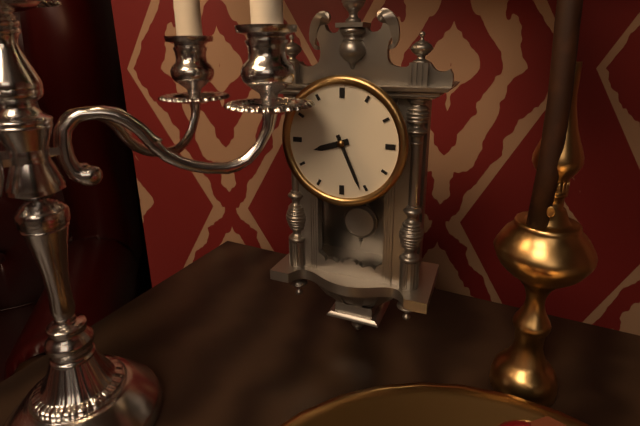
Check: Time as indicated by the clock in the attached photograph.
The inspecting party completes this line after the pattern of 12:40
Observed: 8:26
